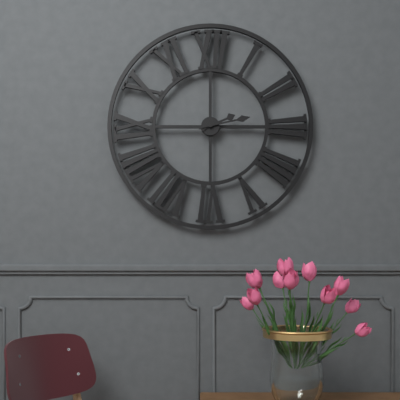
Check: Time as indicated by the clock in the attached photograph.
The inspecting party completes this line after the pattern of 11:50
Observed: 2:13
